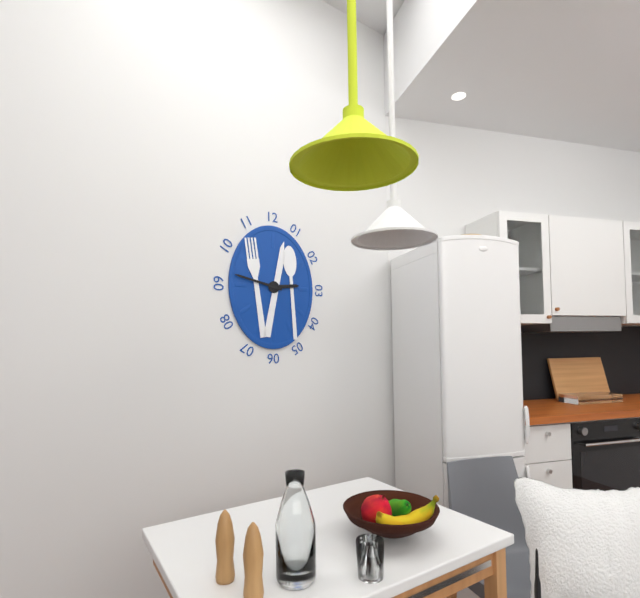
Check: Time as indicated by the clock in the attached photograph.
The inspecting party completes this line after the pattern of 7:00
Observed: 2:47
